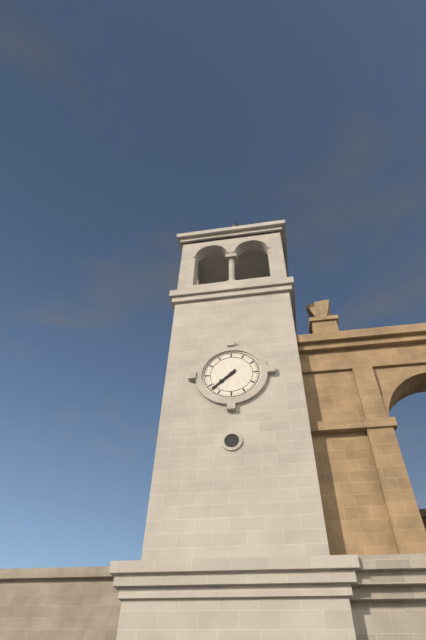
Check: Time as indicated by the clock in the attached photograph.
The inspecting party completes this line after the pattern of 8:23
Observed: 7:38
